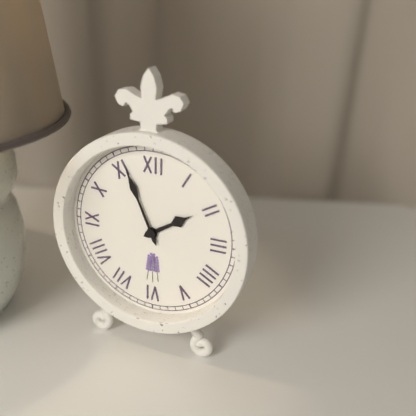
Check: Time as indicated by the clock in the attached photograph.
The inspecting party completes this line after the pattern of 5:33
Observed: 1:56
